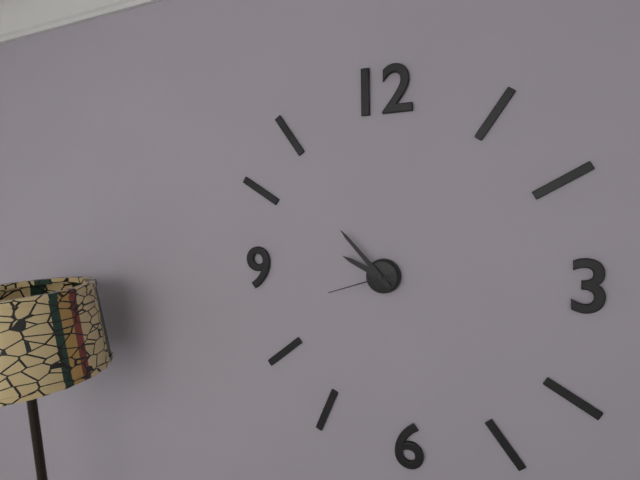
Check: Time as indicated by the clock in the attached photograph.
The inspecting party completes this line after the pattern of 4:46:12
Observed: 9:53:42
